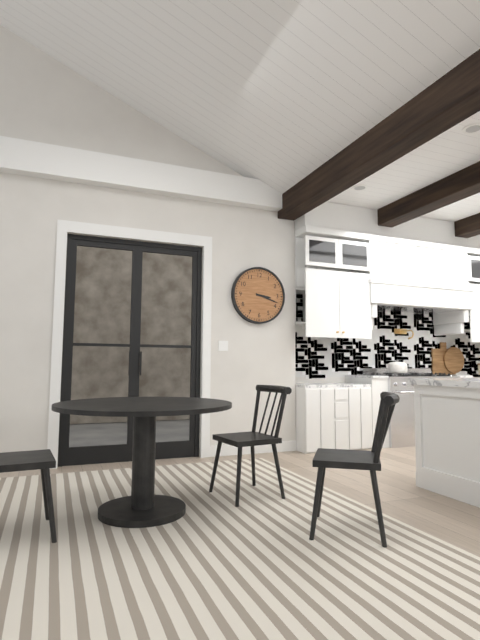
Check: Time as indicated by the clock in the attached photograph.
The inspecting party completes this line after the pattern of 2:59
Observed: 3:18
